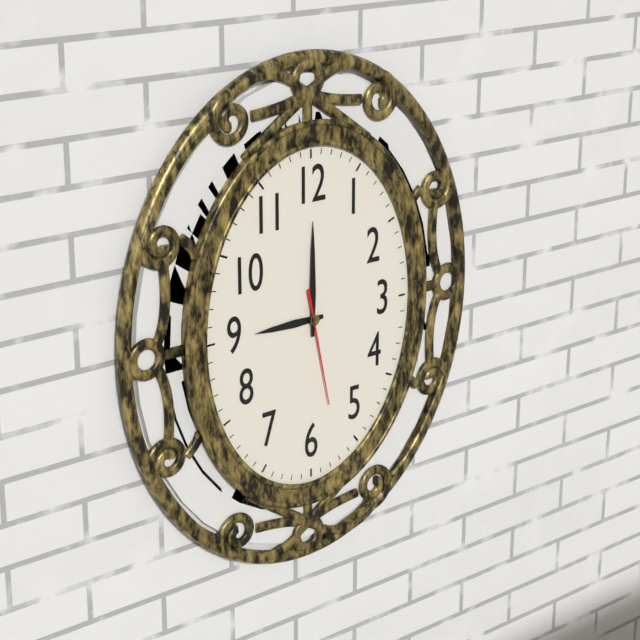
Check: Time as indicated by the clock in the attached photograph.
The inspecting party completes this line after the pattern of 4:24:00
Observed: 9:00:28
